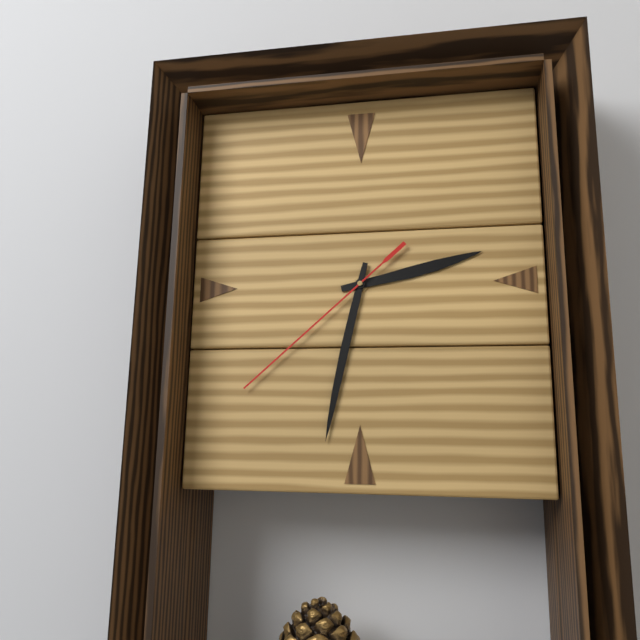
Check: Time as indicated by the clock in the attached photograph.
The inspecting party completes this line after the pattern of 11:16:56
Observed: 2:32:38
